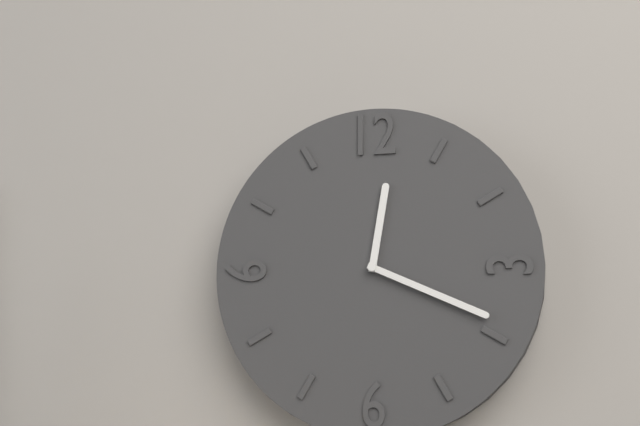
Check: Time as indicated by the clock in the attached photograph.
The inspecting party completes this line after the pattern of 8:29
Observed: 12:19
